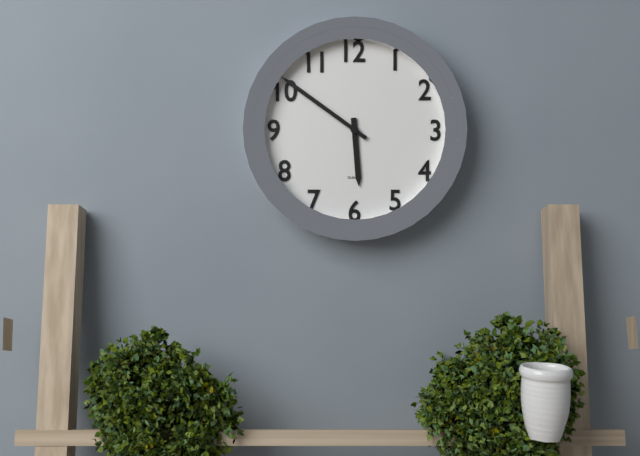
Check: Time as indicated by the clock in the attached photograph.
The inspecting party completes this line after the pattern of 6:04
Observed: 5:51
